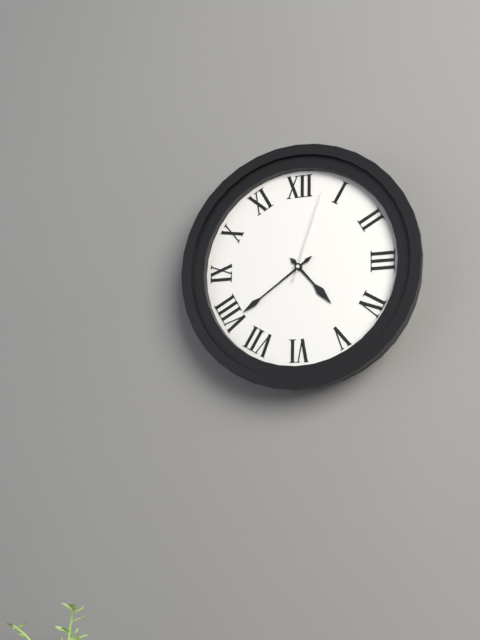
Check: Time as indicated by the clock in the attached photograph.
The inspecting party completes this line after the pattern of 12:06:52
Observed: 4:39:03
